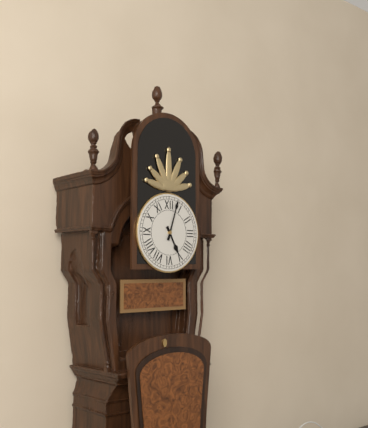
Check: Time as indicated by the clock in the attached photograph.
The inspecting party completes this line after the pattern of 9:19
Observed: 5:03
